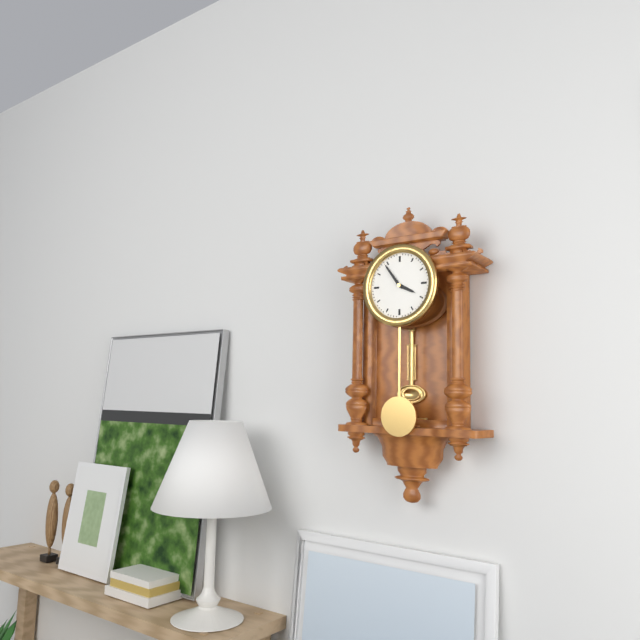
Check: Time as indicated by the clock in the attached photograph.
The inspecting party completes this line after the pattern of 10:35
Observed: 3:54
